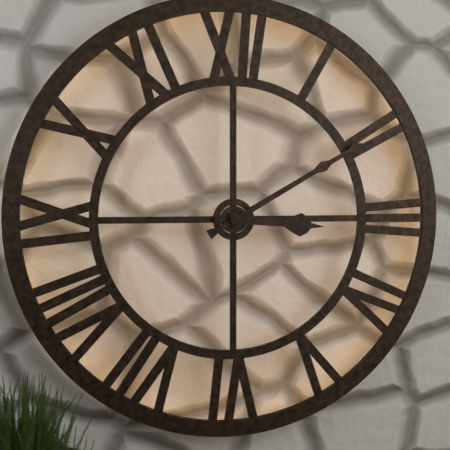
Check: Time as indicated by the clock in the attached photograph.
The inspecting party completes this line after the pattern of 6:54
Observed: 3:10
